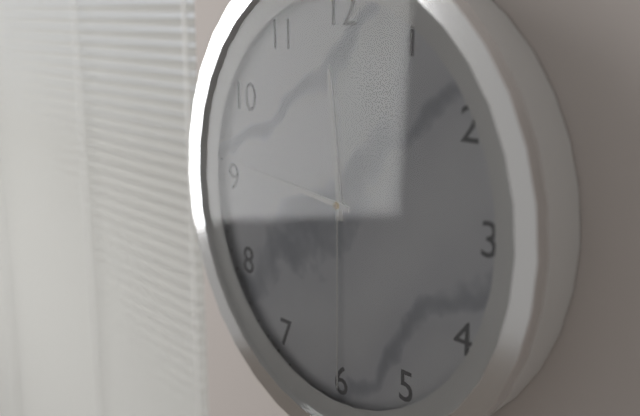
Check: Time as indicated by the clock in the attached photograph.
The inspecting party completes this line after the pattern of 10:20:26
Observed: 11:46:30
